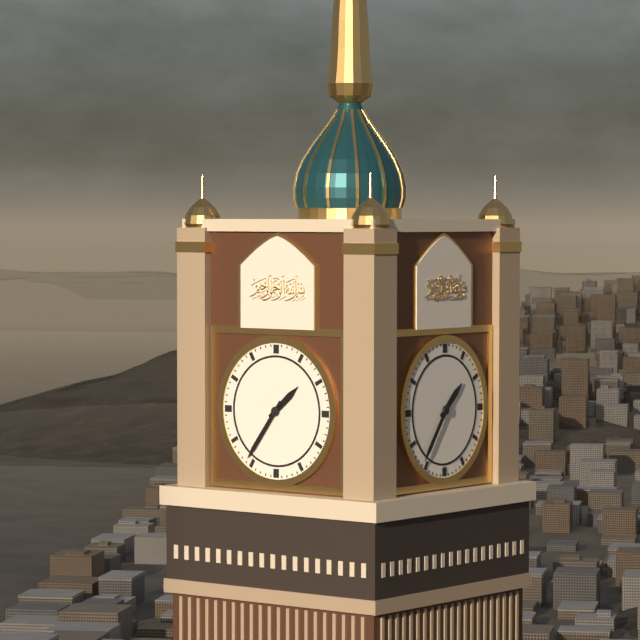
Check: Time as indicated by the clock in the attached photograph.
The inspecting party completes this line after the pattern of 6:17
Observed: 1:36
